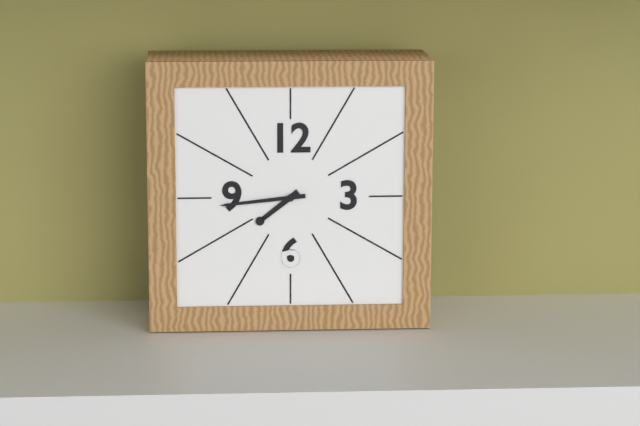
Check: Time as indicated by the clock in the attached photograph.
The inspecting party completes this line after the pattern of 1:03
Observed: 7:44
